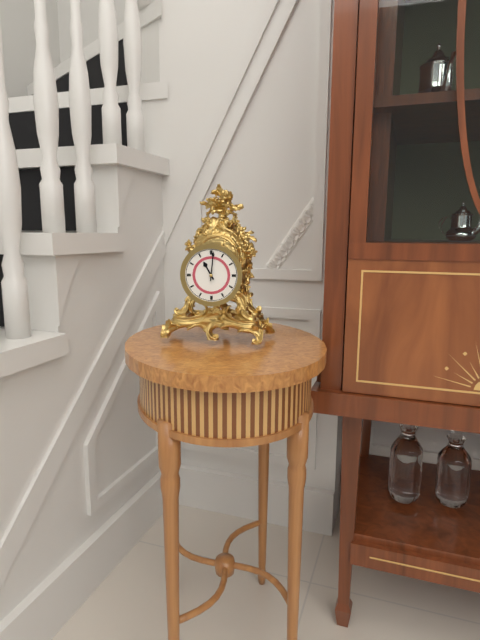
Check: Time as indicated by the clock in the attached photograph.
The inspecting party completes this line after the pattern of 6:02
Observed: 11:01
